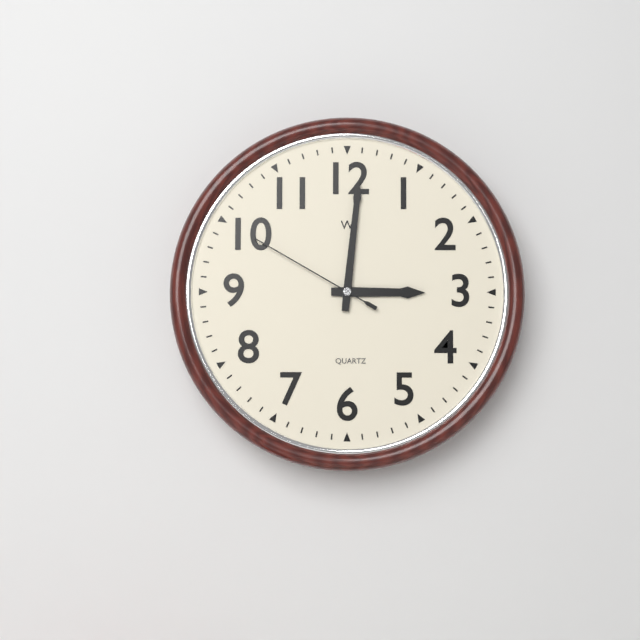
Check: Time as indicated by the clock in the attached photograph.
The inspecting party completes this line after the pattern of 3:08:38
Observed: 3:01:50
